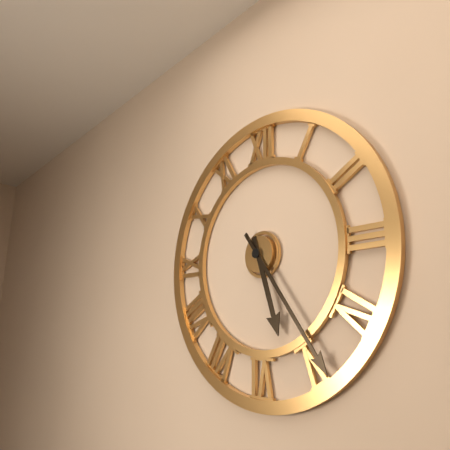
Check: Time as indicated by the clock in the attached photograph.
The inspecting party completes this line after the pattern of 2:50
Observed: 5:24
